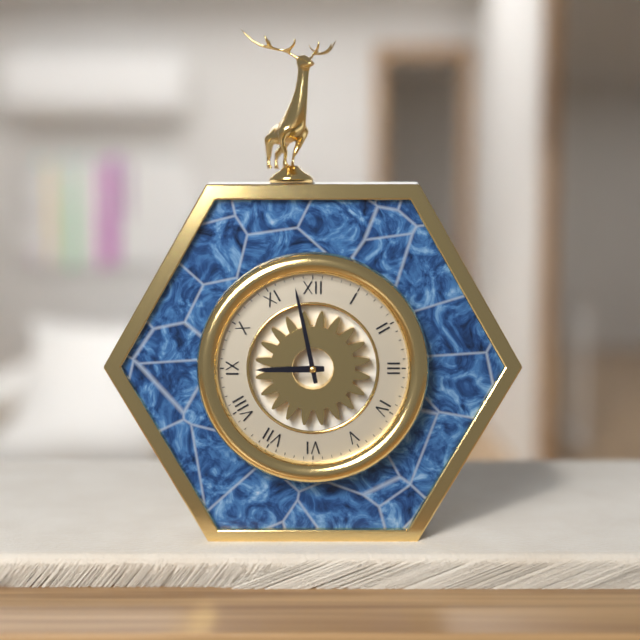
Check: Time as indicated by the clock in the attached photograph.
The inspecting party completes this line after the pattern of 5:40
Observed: 8:58
